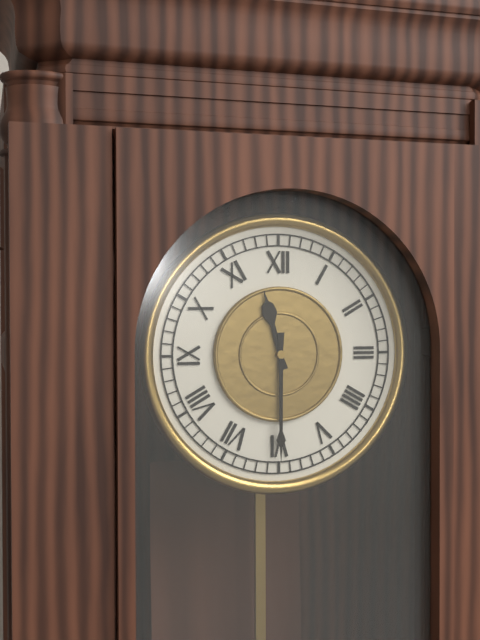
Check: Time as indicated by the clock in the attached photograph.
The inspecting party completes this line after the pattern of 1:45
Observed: 11:30
